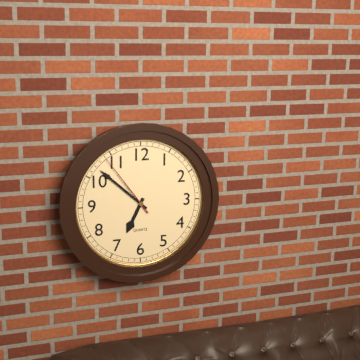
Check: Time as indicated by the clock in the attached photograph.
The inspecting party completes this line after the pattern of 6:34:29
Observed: 6:52:54
